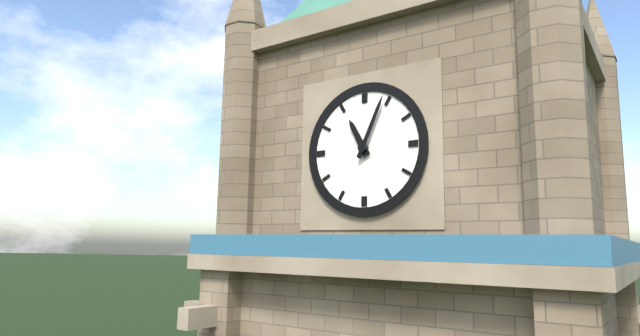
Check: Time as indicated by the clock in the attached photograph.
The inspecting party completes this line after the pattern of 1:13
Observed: 11:04
